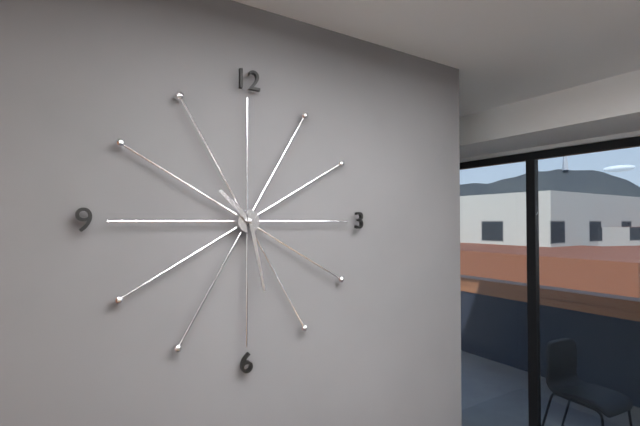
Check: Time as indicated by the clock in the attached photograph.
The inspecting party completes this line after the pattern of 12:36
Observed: 10:28
